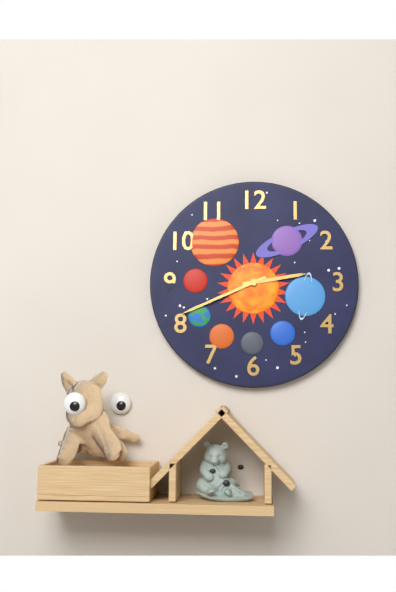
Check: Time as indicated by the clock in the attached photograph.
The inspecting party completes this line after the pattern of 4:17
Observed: 2:41
